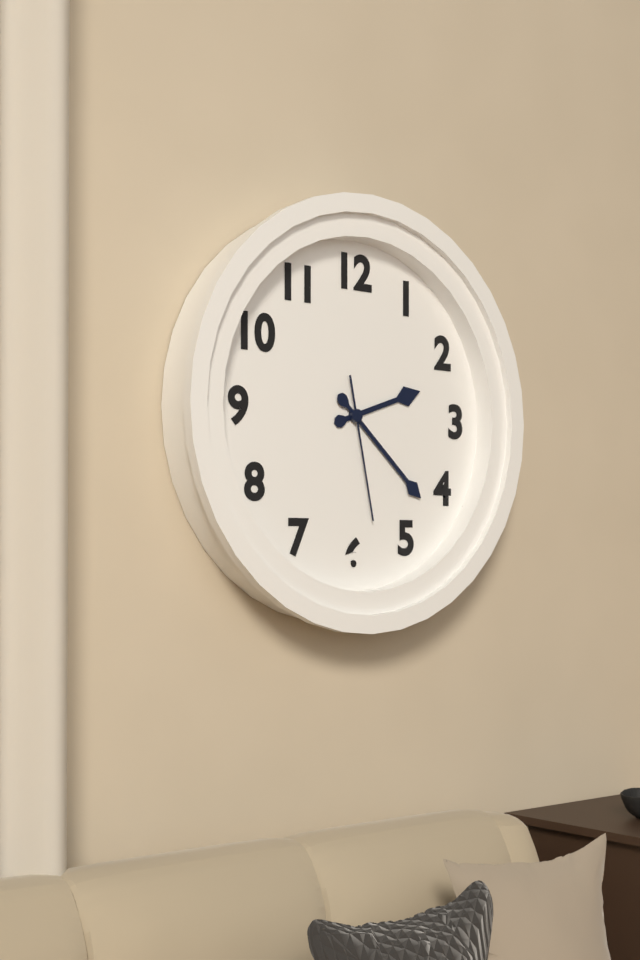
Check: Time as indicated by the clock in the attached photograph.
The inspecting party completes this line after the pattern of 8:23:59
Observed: 2:22:28
